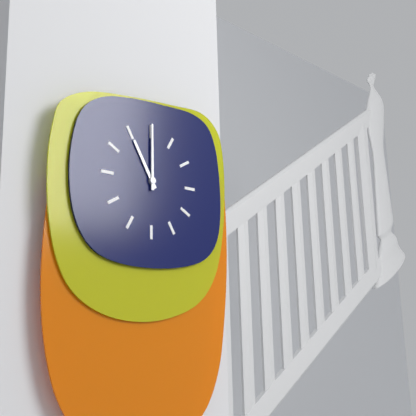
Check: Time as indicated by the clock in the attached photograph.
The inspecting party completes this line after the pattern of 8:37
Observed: 11:00
